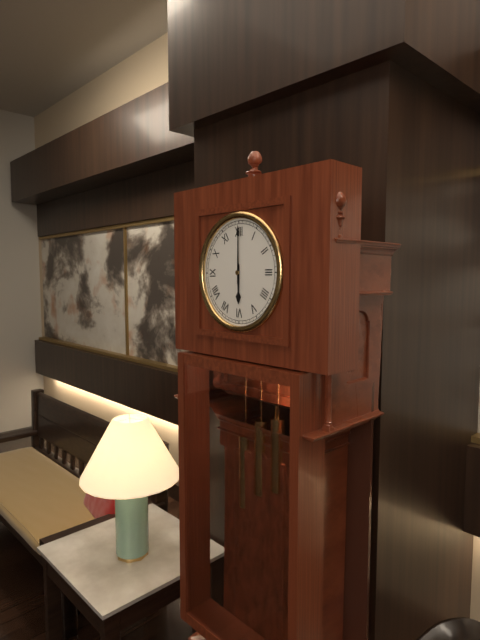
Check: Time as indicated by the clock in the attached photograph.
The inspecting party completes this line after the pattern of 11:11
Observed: 6:00
